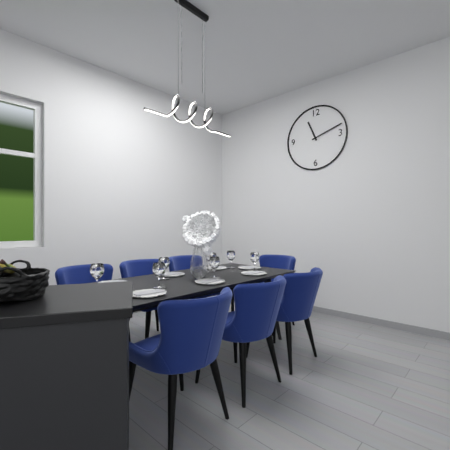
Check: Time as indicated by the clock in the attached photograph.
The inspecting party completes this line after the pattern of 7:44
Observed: 11:12
